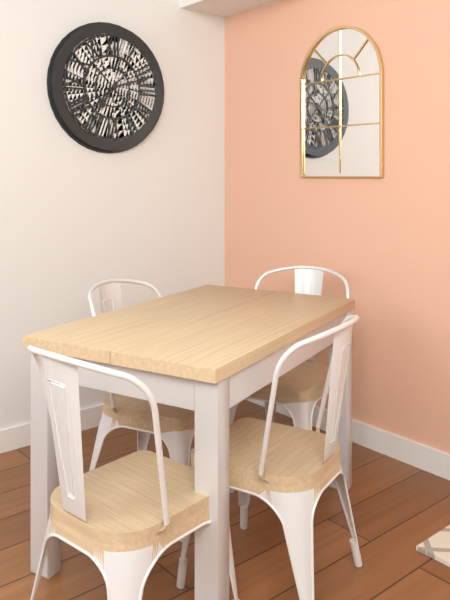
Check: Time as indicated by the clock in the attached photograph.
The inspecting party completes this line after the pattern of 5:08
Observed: 7:12
